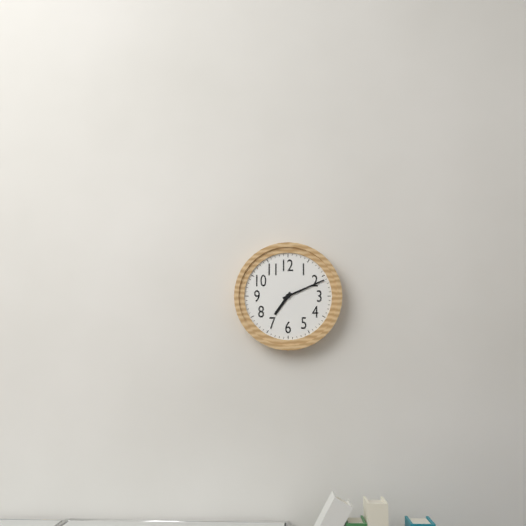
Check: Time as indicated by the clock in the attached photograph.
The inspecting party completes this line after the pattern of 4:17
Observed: 7:11
